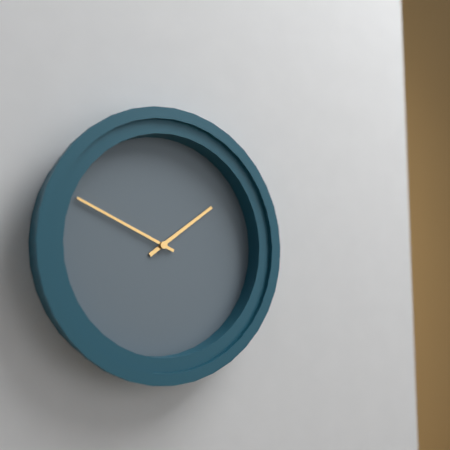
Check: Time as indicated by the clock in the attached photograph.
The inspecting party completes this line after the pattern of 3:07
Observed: 1:49
